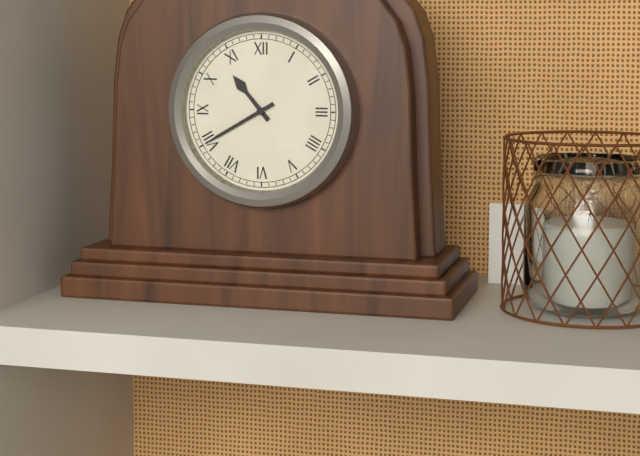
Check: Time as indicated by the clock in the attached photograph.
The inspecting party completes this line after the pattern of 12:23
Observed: 10:40
